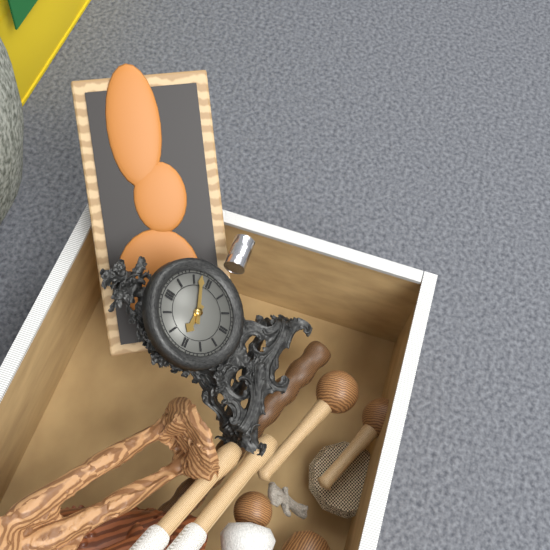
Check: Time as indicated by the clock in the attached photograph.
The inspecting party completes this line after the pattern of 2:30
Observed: 9:12
